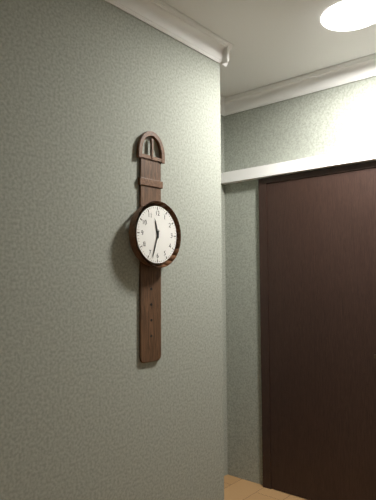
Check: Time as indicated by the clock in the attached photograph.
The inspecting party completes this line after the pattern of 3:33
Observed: 11:33
